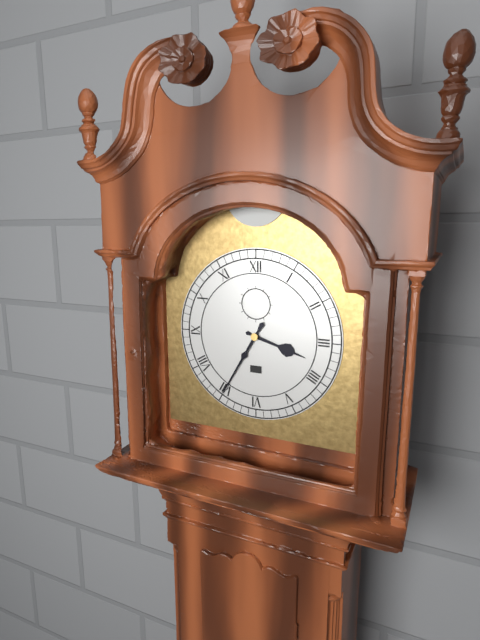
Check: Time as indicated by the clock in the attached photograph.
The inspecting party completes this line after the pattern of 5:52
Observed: 3:35
